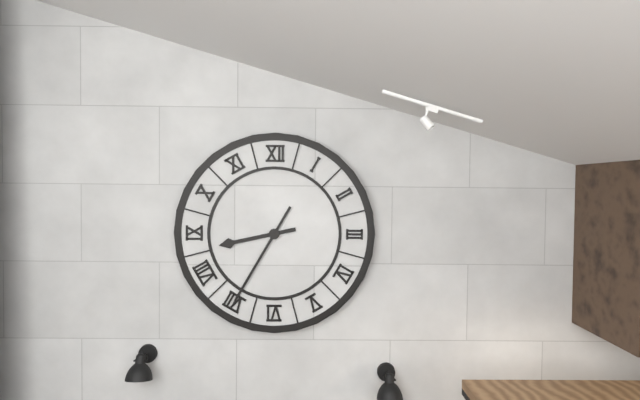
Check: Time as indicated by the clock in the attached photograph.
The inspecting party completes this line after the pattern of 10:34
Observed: 8:35
